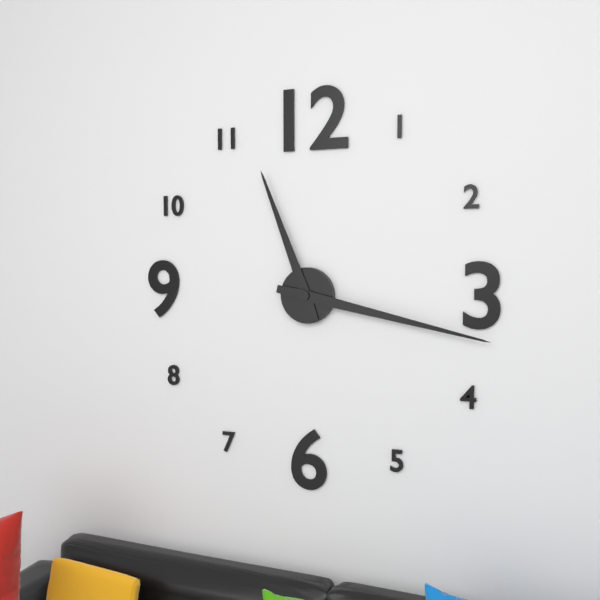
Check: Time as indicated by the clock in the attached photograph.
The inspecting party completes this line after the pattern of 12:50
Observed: 11:17
